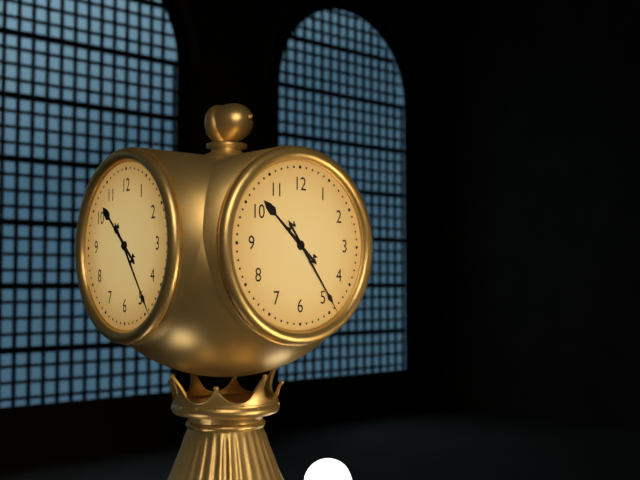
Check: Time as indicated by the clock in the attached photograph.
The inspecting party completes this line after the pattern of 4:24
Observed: 10:24
